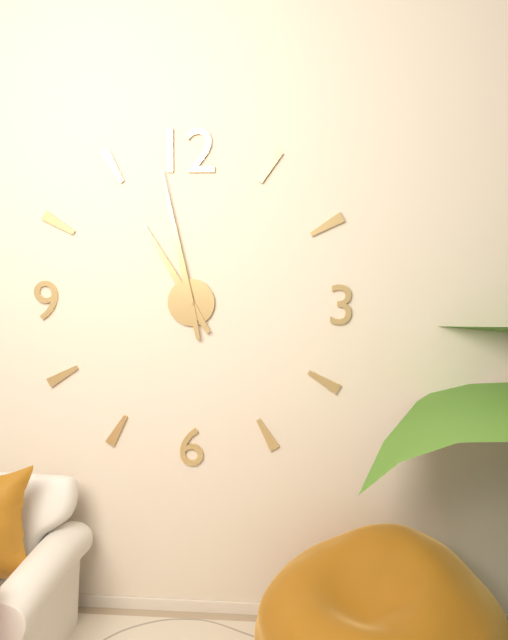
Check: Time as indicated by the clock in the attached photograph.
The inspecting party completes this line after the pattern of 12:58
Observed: 10:58
